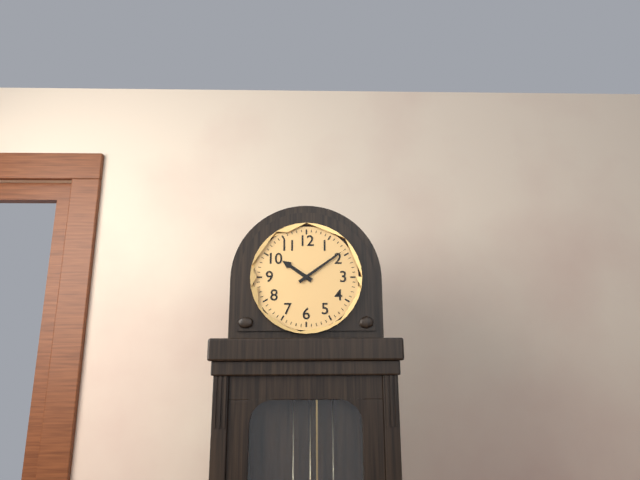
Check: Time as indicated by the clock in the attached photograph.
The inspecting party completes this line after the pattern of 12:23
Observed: 10:09
